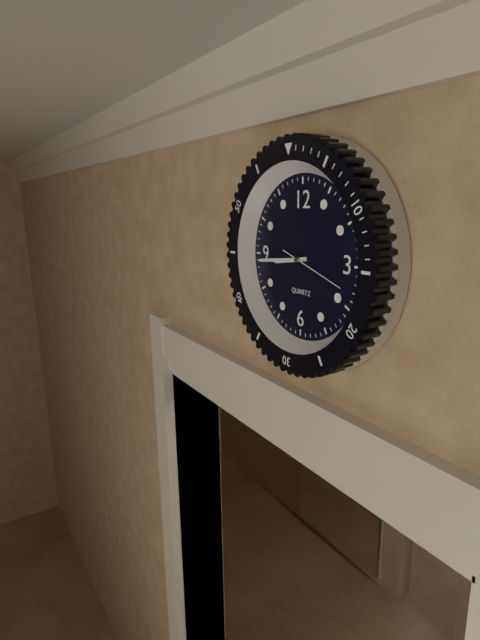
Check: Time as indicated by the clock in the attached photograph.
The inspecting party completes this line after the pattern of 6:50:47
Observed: 8:44:18
